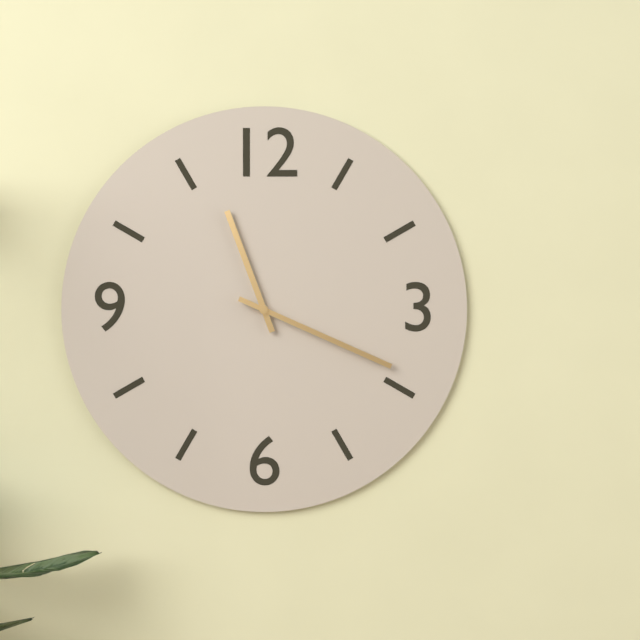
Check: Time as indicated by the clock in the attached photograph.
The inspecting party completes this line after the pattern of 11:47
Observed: 11:19
